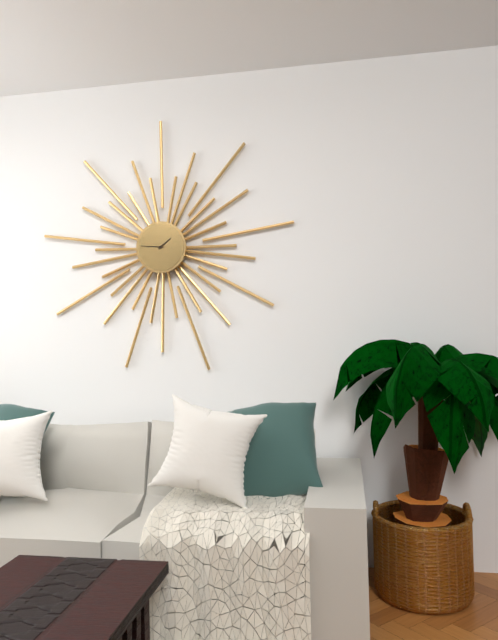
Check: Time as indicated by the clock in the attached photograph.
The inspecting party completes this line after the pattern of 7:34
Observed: 1:46
